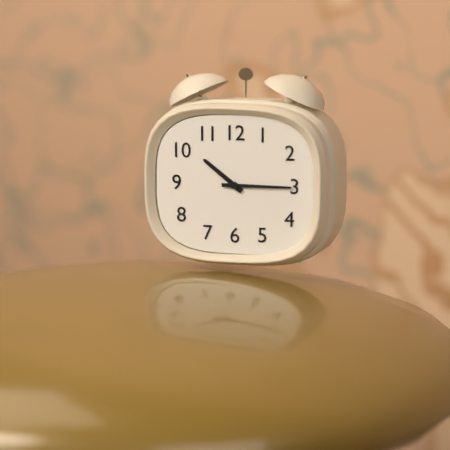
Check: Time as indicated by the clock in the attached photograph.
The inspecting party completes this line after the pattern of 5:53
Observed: 10:15
